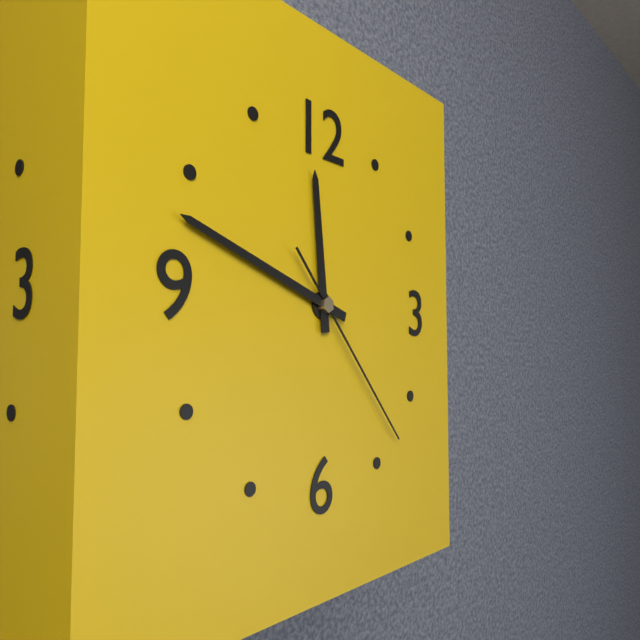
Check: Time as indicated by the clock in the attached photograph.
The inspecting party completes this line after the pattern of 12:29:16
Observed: 11:48:23
